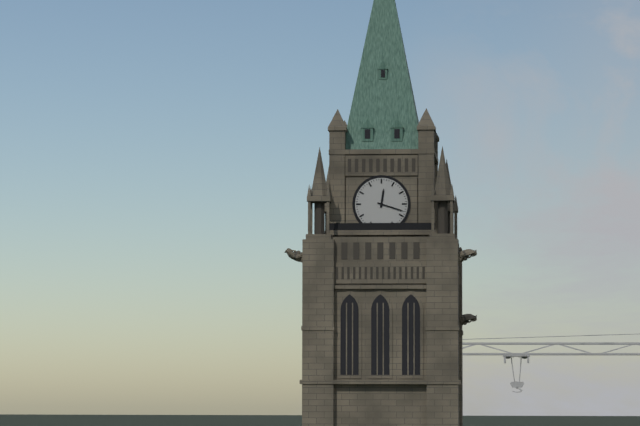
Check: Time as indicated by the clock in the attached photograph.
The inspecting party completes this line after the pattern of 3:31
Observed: 12:18
